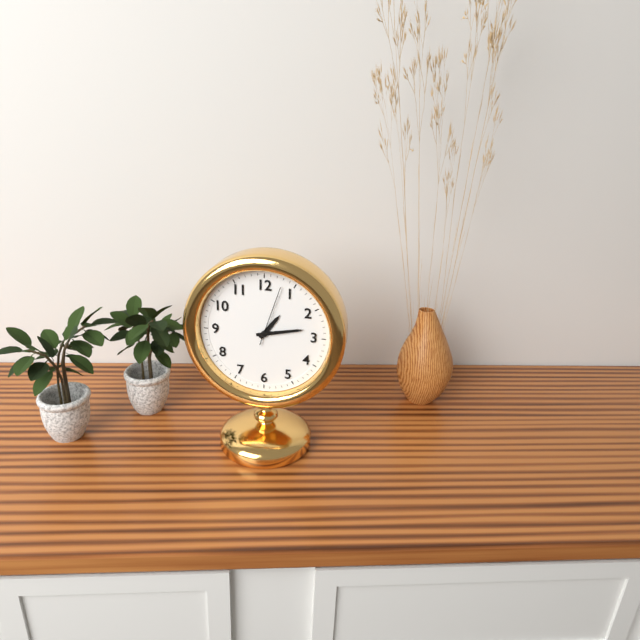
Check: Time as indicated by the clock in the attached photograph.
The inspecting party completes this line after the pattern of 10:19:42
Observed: 1:13:03
